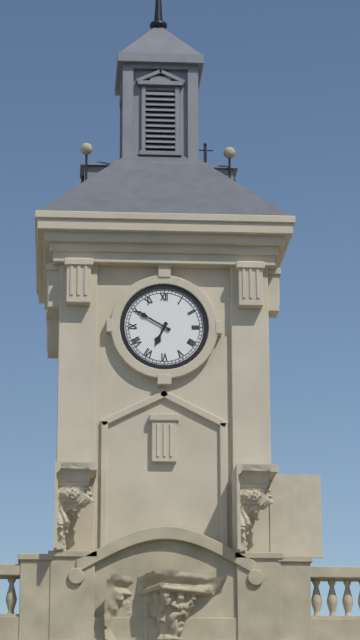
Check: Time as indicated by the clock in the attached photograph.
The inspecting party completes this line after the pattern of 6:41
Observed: 6:50
